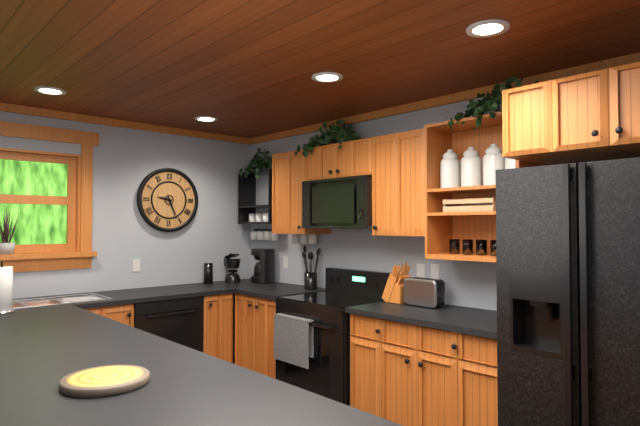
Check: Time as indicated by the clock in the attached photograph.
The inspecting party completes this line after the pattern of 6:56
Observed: 9:26
